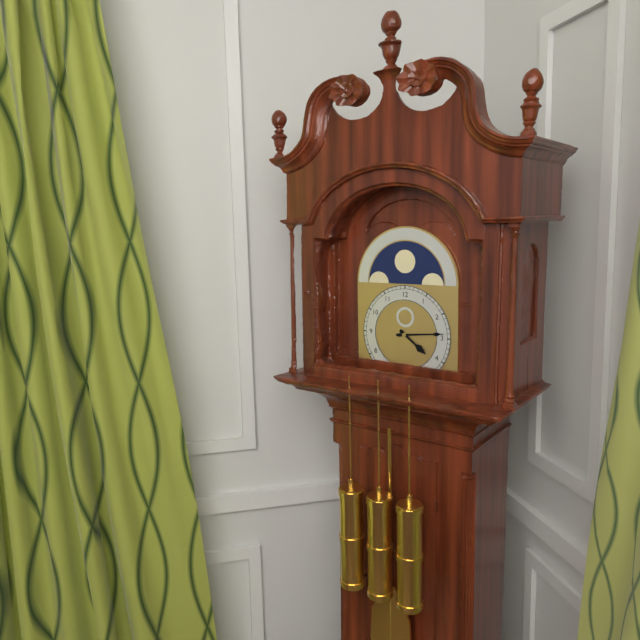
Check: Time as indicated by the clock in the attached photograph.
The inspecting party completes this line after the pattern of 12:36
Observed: 4:14
